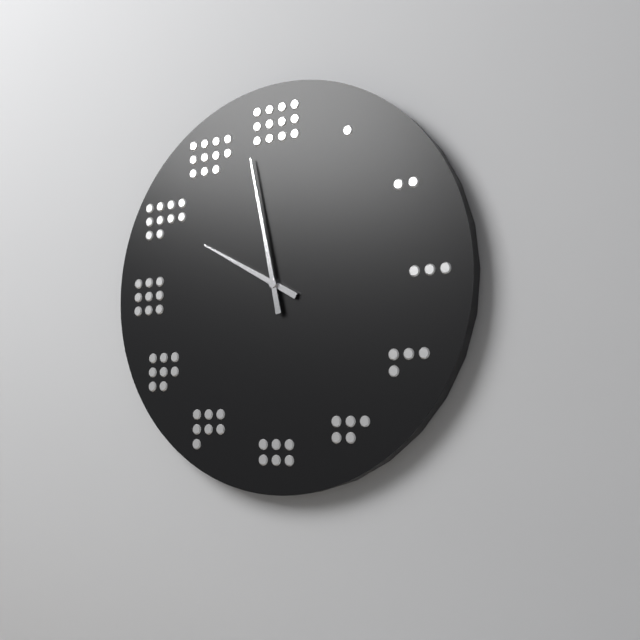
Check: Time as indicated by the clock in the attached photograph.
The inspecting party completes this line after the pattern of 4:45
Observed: 9:58
